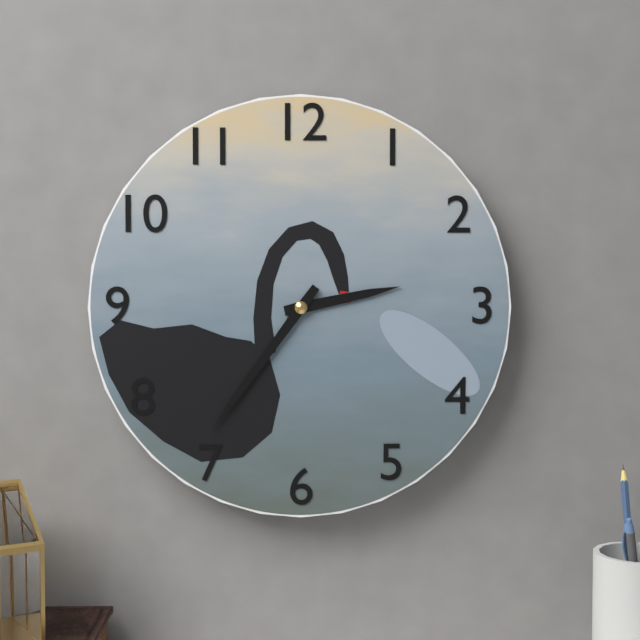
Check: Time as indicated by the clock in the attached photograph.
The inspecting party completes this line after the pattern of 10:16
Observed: 2:36
